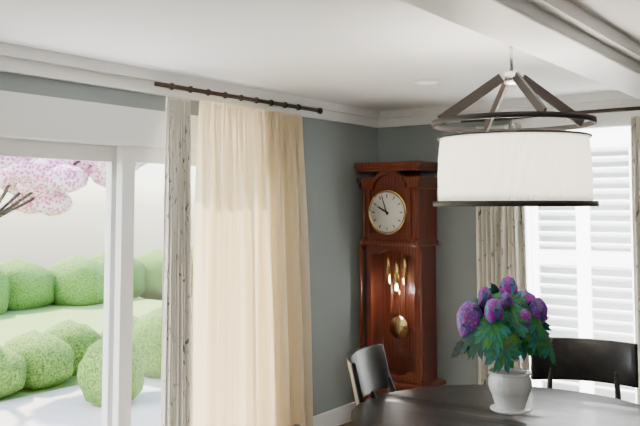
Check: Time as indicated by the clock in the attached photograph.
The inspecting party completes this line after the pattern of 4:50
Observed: 9:57
